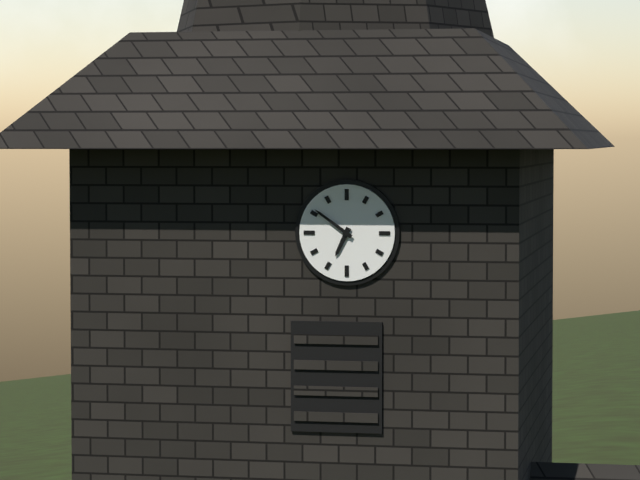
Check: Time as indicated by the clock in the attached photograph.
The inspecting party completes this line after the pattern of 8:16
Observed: 6:51
